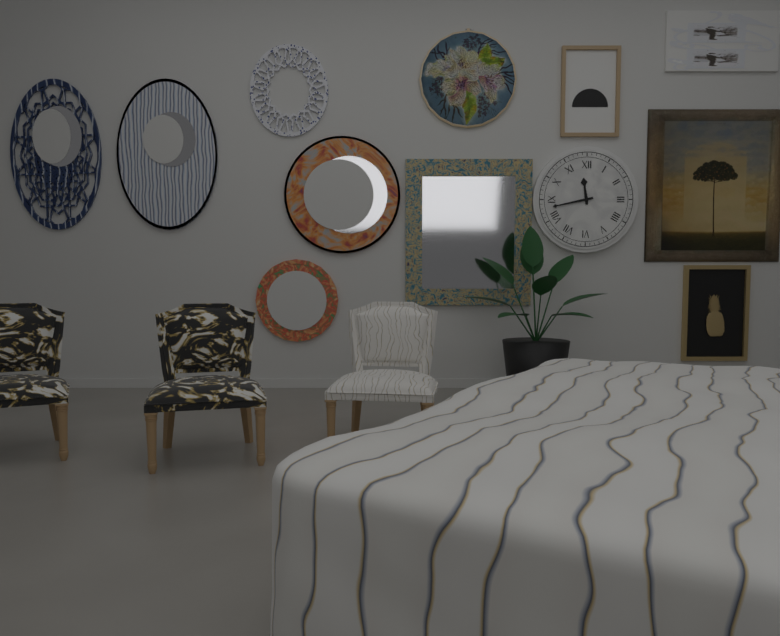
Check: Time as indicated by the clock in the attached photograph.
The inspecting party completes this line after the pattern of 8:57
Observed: 11:43
